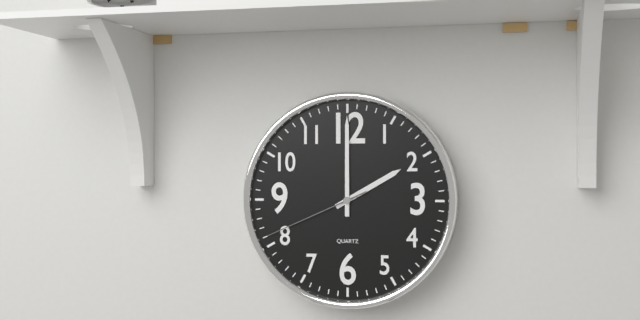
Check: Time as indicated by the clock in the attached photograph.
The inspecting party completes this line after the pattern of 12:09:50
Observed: 2:00:41
